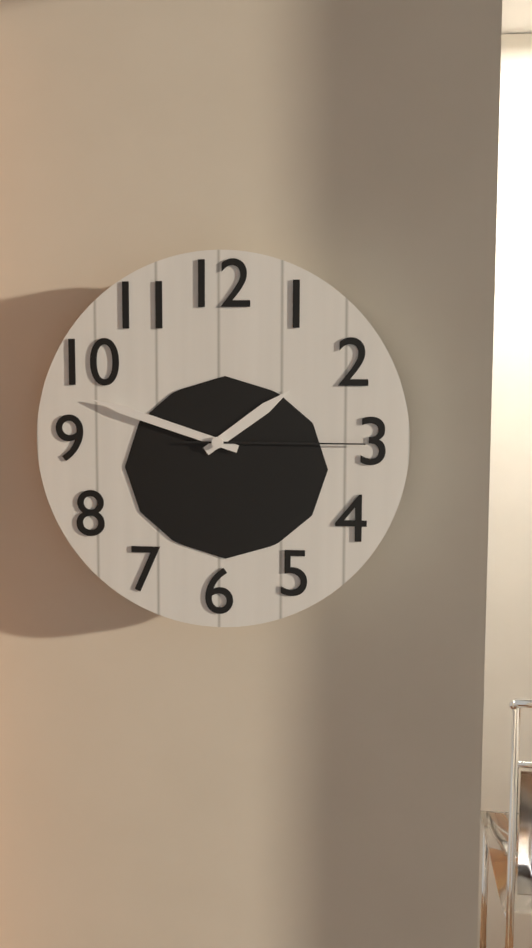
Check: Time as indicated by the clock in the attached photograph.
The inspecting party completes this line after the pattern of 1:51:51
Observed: 1:48:15
